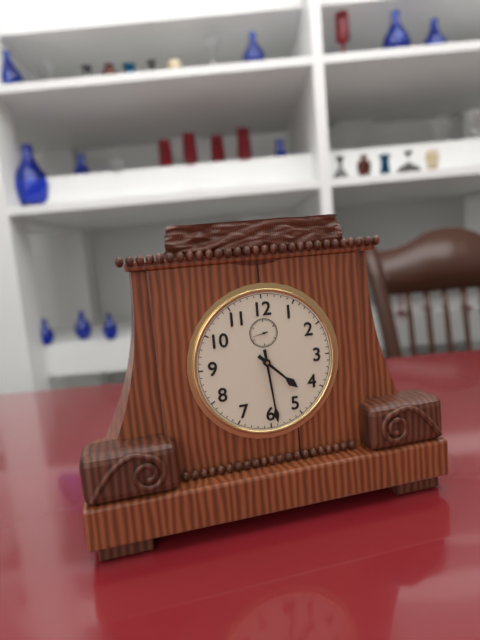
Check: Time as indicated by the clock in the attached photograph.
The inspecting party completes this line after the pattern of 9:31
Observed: 4:29
